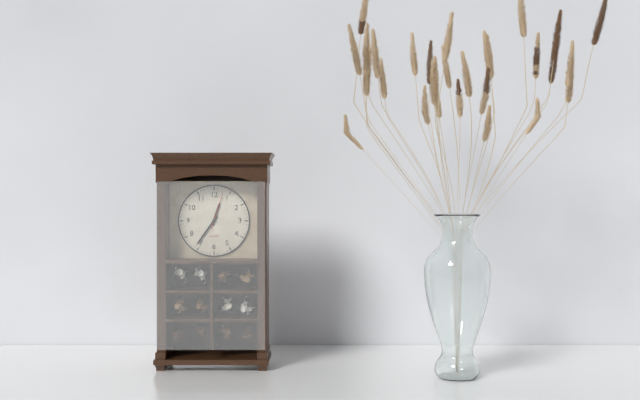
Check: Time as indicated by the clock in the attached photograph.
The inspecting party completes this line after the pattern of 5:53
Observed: 12:36
